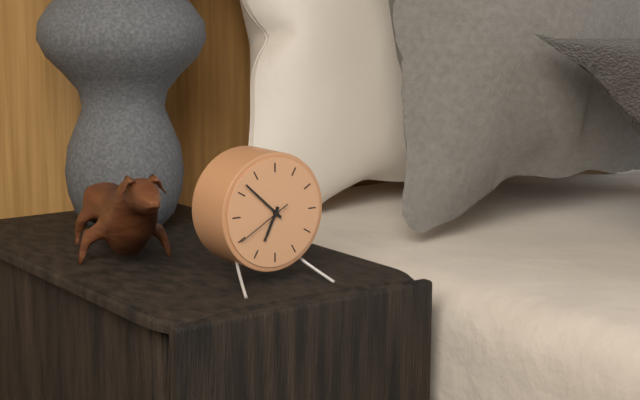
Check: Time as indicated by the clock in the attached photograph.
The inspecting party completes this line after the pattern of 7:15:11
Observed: 6:52:40
